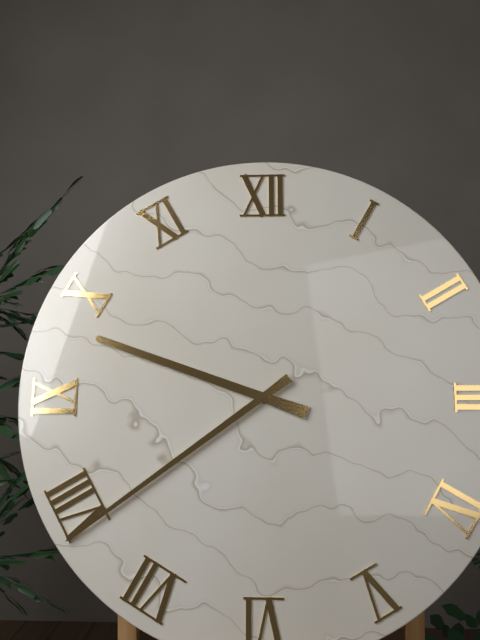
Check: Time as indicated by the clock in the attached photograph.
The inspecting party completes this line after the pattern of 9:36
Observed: 9:39
